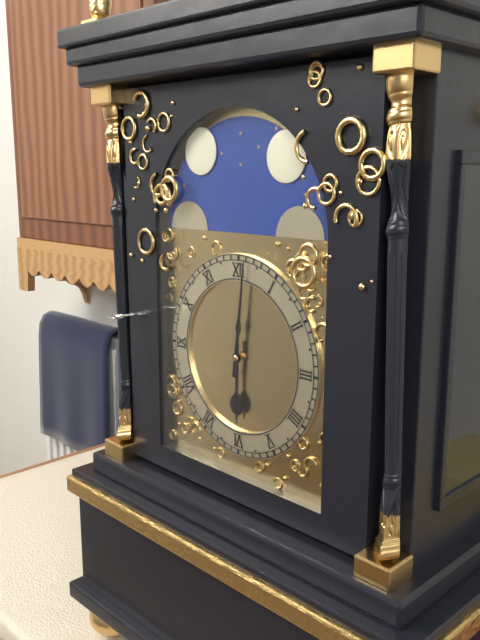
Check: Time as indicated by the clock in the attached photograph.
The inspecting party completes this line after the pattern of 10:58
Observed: 6:01
